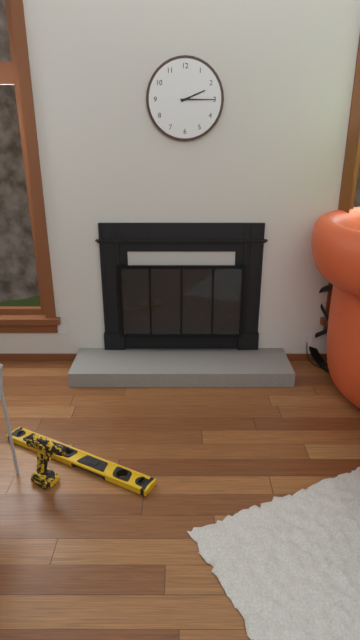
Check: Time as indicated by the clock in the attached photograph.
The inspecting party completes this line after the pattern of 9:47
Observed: 2:15
